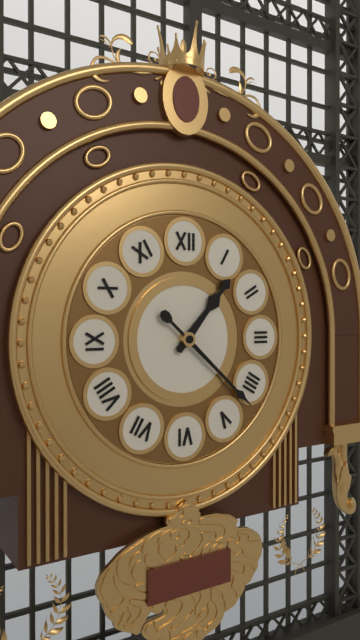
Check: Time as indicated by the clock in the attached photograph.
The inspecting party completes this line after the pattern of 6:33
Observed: 1:22
